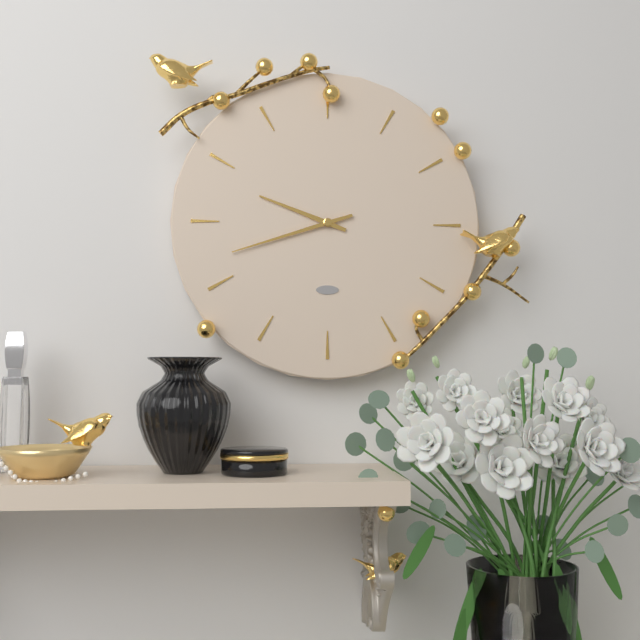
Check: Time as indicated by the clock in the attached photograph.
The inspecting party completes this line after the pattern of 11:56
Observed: 9:42
